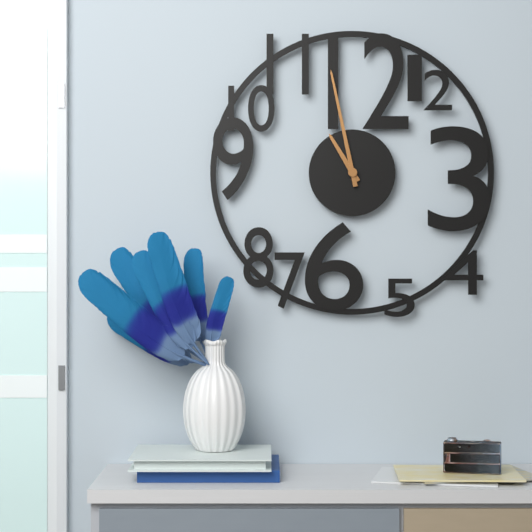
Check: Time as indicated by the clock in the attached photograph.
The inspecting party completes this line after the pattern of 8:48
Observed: 10:58
